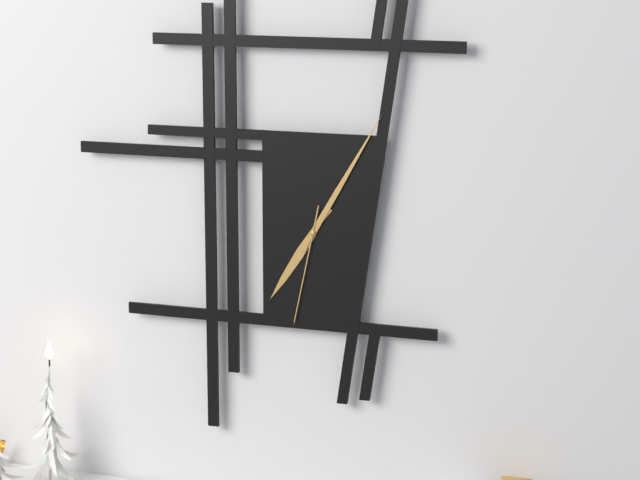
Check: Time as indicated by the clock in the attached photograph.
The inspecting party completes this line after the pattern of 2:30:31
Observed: 7:05:32
